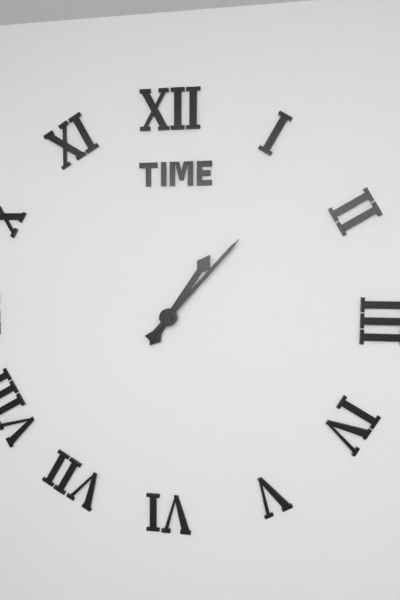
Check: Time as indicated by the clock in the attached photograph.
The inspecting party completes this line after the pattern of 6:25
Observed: 1:07
